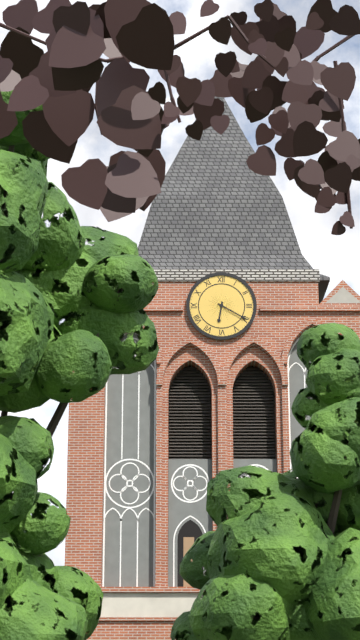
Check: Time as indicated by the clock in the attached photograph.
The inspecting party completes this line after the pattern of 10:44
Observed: 6:20
